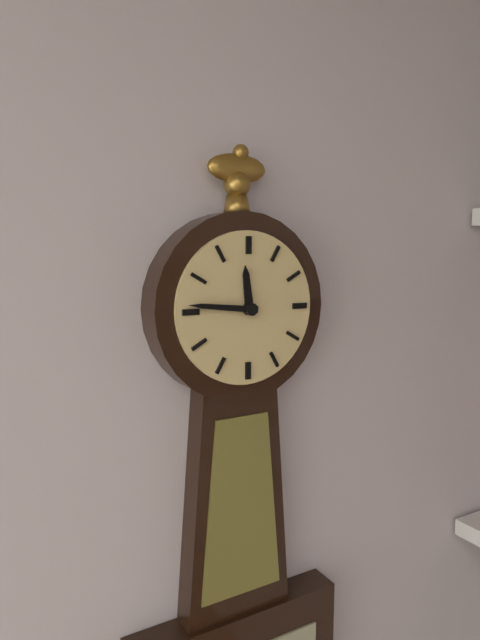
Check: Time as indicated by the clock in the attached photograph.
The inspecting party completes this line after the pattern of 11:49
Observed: 11:46
